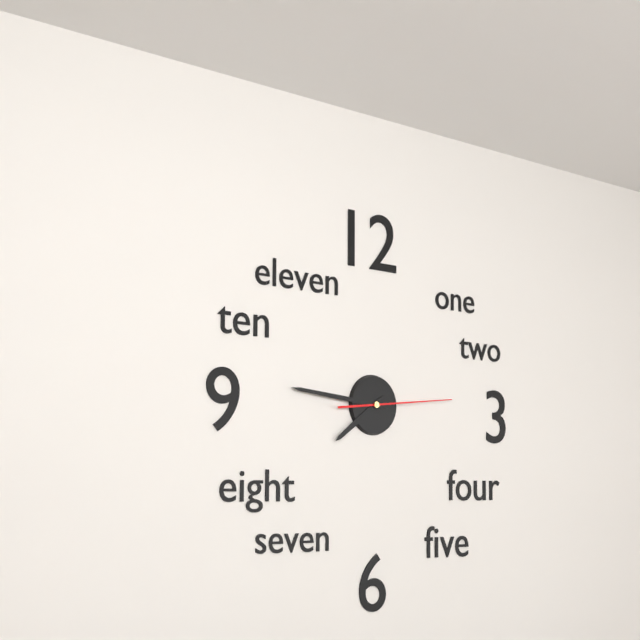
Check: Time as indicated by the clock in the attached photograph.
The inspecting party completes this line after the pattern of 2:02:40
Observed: 7:46:14
